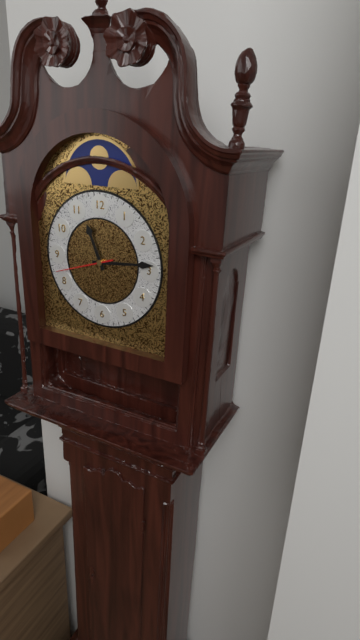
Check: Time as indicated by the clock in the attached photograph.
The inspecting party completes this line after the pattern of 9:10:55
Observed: 11:14:42
